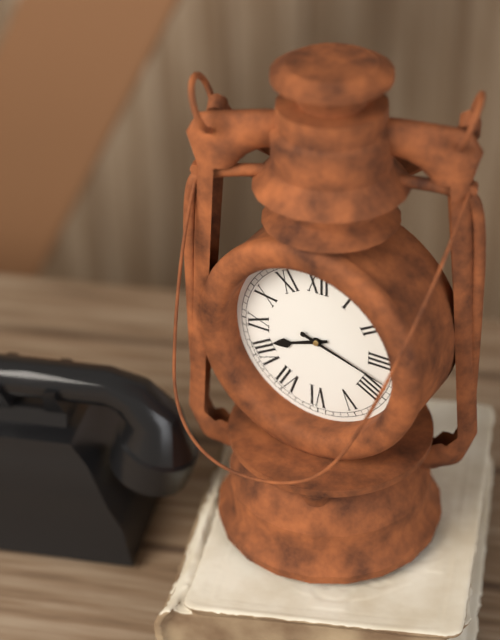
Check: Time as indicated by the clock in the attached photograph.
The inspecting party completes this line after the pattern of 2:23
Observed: 8:18
